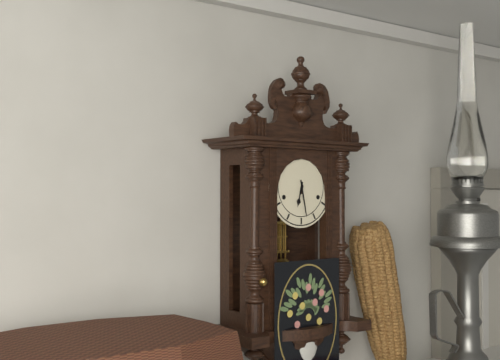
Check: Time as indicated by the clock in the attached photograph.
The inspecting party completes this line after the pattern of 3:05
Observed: 6:28
